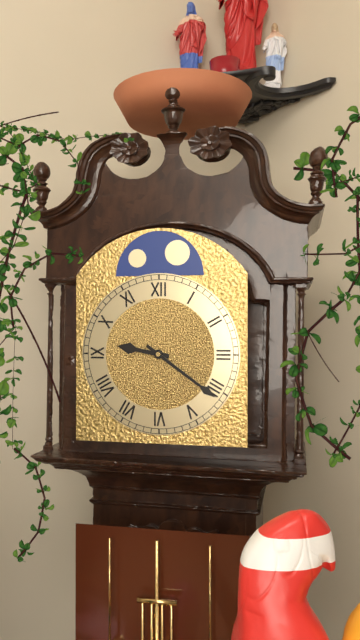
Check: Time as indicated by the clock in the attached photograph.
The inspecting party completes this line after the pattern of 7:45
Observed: 9:21
